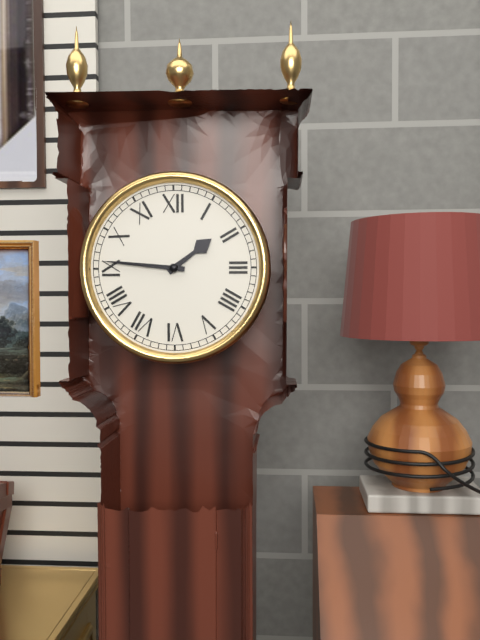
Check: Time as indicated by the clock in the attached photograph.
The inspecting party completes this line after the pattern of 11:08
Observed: 1:46
